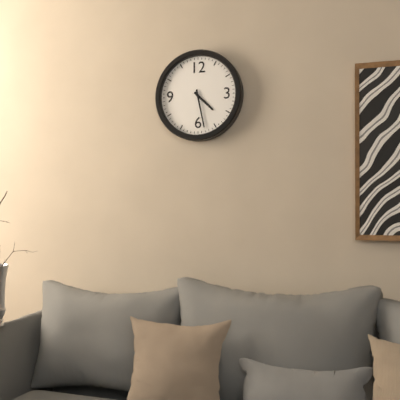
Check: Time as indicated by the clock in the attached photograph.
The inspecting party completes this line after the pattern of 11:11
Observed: 4:28
